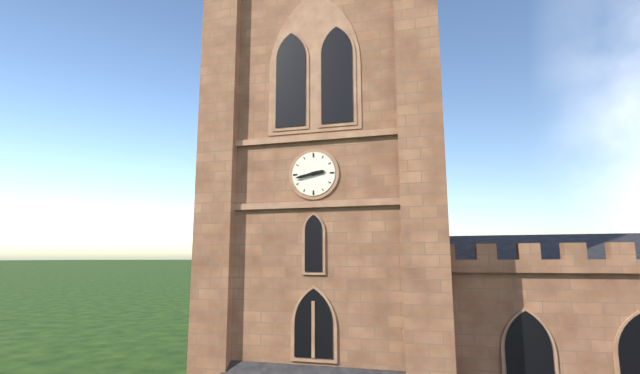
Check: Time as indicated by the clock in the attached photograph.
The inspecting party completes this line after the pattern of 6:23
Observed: 2:43
